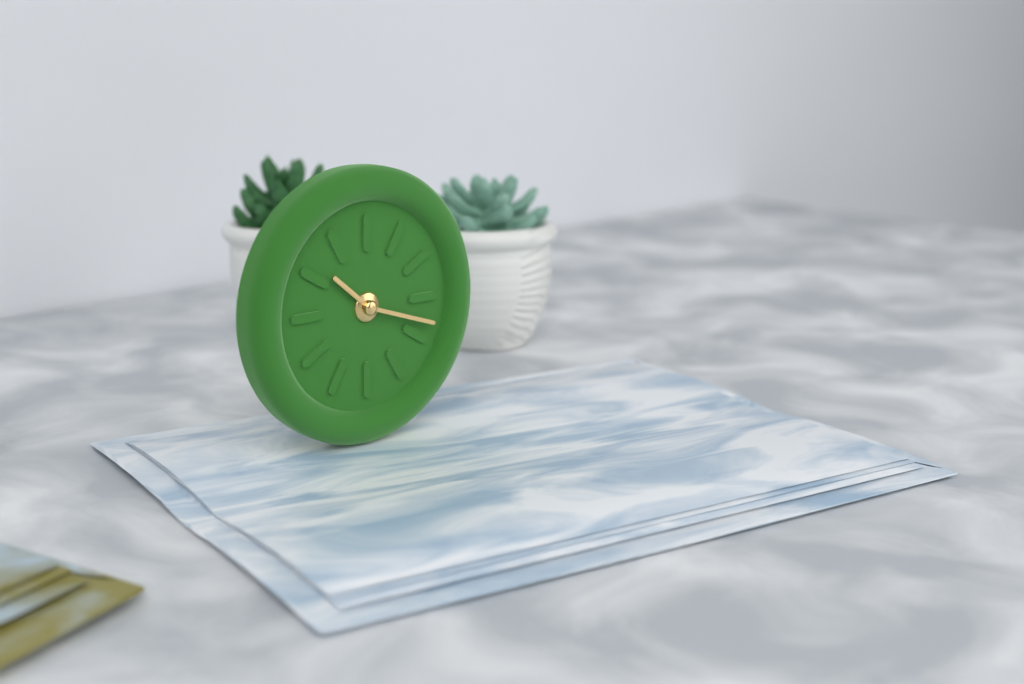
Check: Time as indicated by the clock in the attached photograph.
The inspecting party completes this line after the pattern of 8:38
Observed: 10:18
